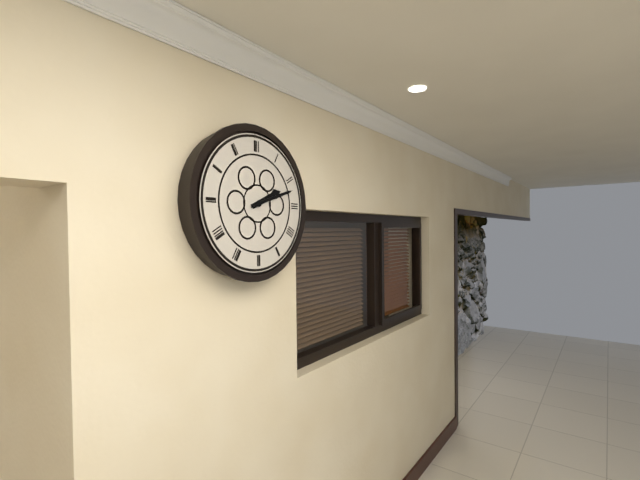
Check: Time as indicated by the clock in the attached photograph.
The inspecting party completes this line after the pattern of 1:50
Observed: 2:12
